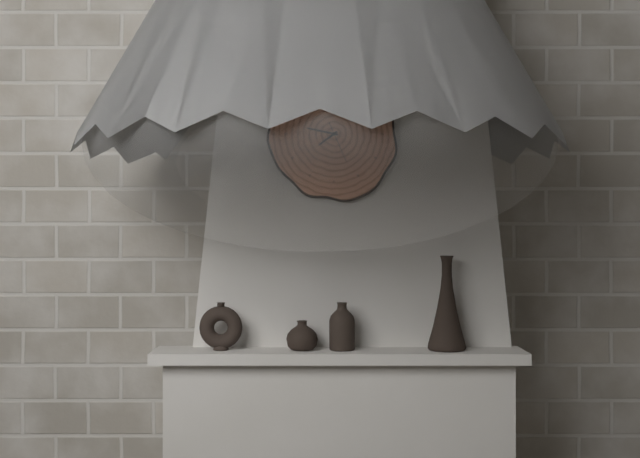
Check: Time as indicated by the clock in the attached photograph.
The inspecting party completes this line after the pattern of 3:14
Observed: 7:47
